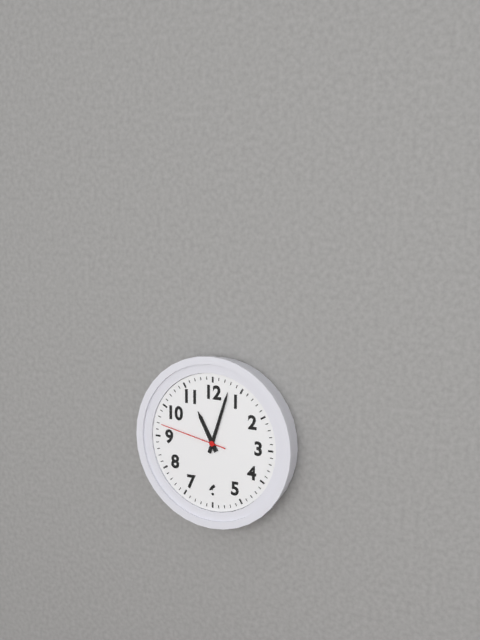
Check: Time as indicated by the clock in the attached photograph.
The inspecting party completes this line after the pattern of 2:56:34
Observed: 11:03:47
